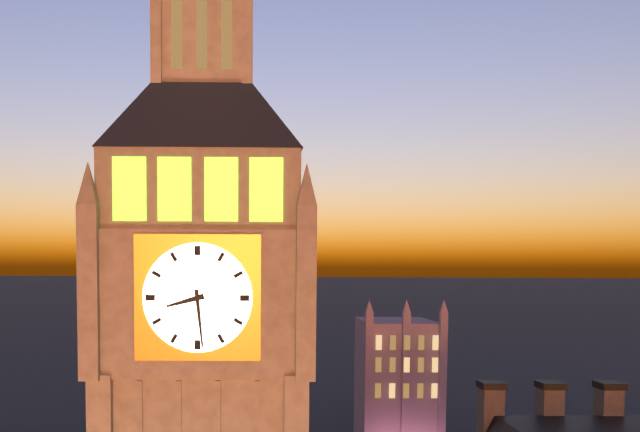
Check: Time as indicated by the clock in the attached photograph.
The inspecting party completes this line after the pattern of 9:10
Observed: 8:29
